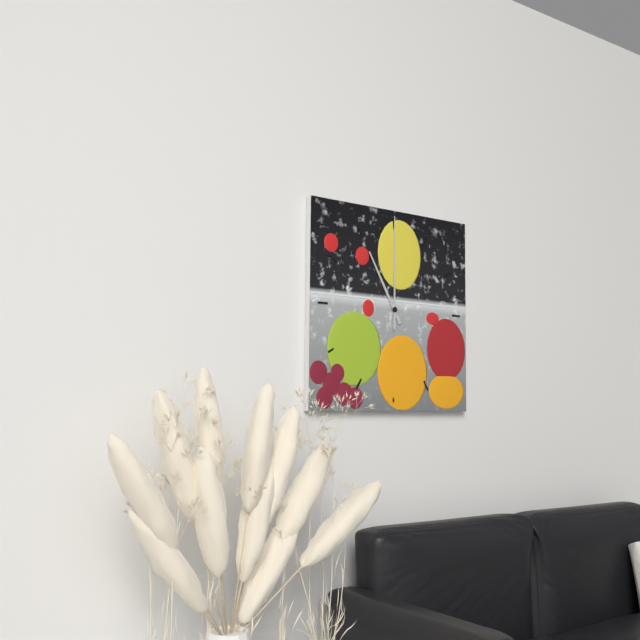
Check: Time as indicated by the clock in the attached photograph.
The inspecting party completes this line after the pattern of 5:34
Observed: 11:00
